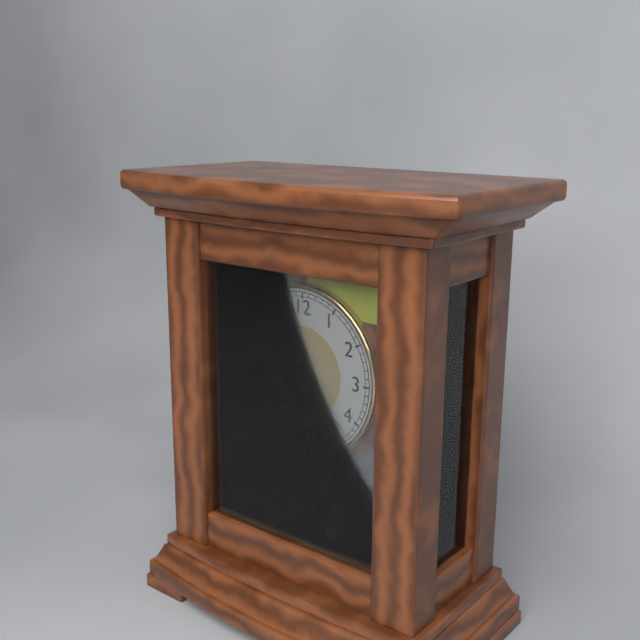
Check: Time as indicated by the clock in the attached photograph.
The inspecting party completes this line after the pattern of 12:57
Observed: 10:22
